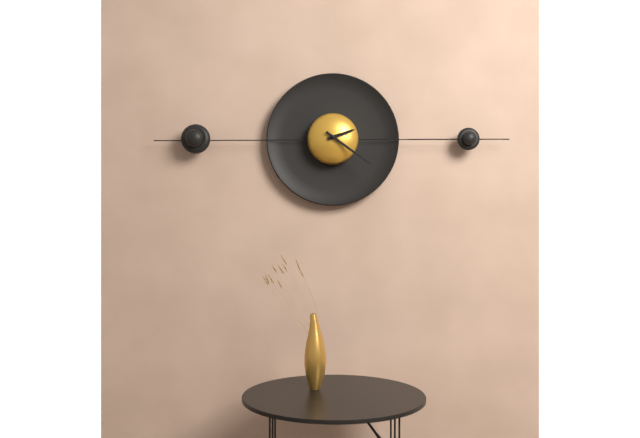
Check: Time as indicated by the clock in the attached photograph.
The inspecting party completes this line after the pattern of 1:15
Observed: 2:21
